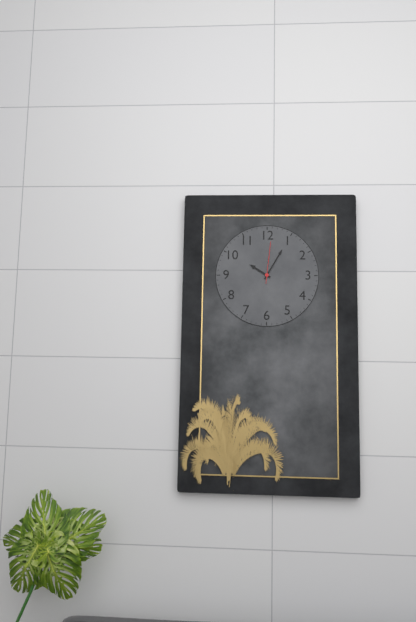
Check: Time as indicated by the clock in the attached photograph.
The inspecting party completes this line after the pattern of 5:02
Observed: 10:05
